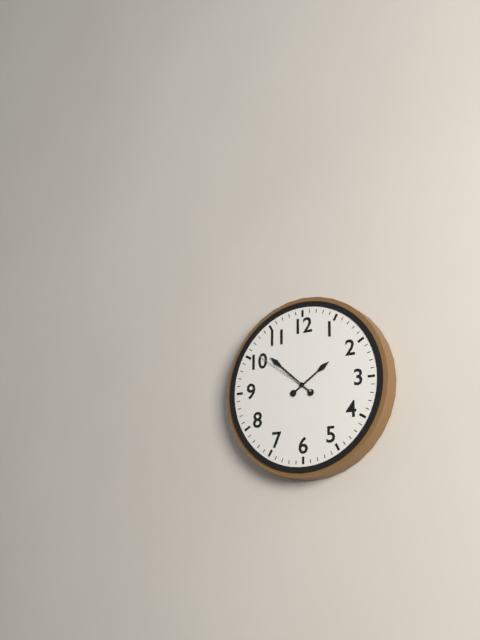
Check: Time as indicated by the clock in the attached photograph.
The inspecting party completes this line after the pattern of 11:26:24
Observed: 1:52:51
